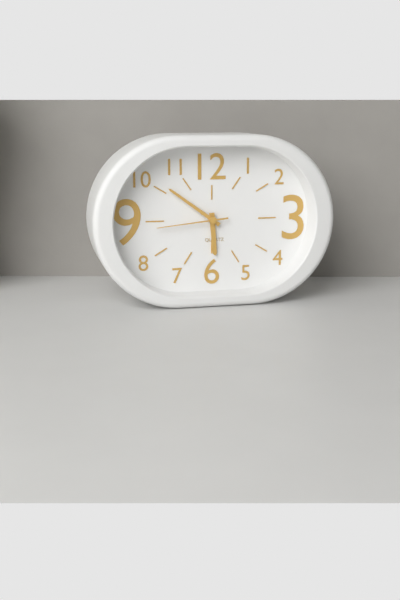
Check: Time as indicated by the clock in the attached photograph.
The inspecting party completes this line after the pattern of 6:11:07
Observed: 5:51:44
